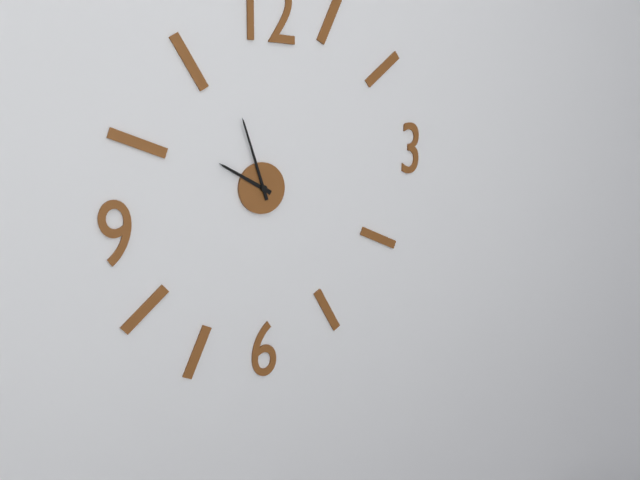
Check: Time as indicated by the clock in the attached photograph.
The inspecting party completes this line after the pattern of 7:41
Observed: 9:57
